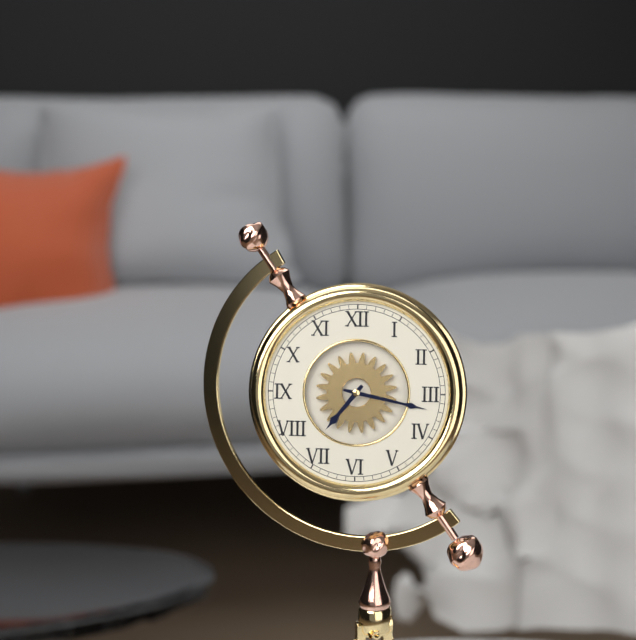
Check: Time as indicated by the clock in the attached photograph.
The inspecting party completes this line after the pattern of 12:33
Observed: 7:17
